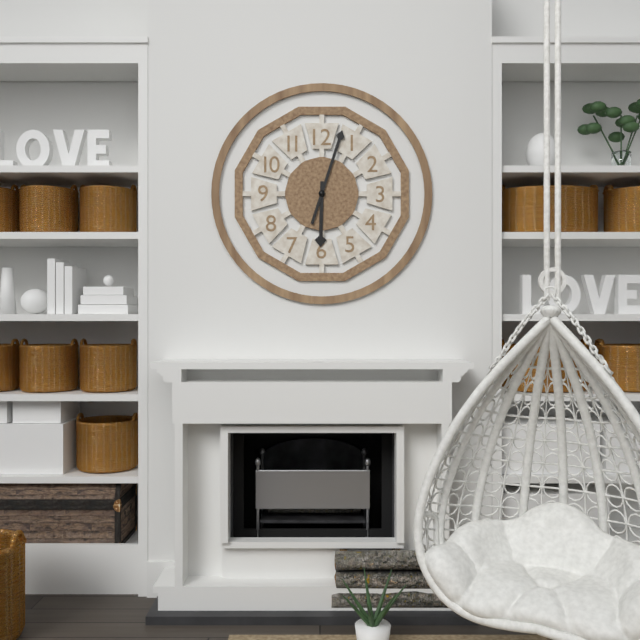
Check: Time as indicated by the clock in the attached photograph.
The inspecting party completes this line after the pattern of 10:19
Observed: 6:03
